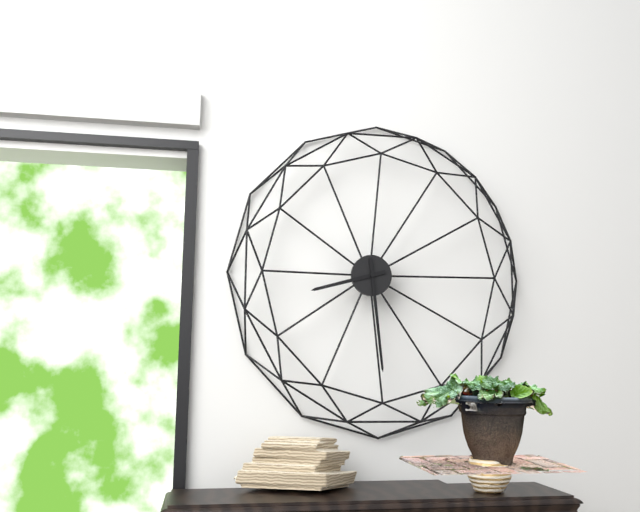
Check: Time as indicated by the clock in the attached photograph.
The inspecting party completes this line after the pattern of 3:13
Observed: 8:29
